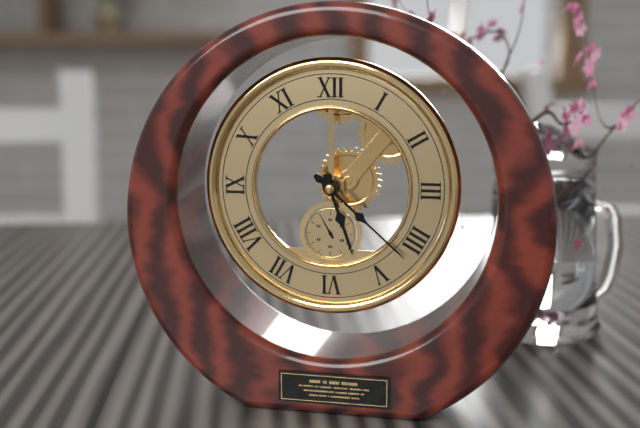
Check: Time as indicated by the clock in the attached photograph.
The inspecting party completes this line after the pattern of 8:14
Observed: 5:22
